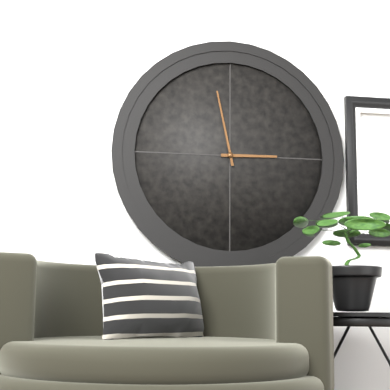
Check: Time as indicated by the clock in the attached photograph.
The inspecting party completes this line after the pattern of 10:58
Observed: 2:58
